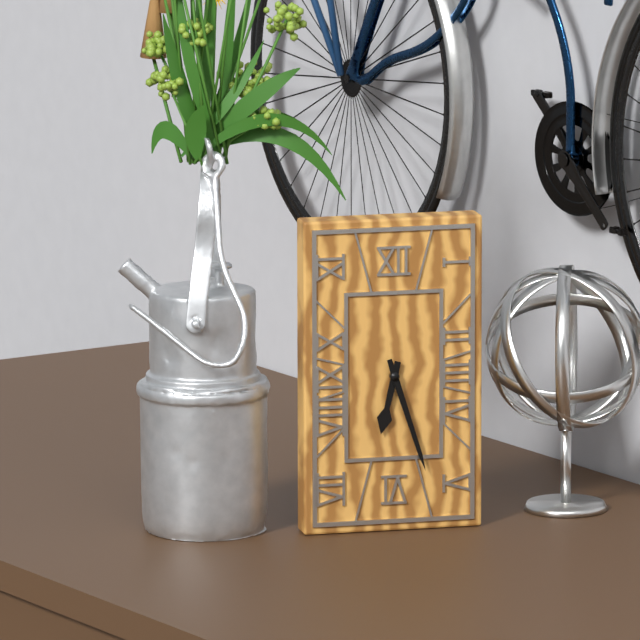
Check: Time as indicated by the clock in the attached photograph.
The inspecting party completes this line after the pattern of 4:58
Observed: 6:27
